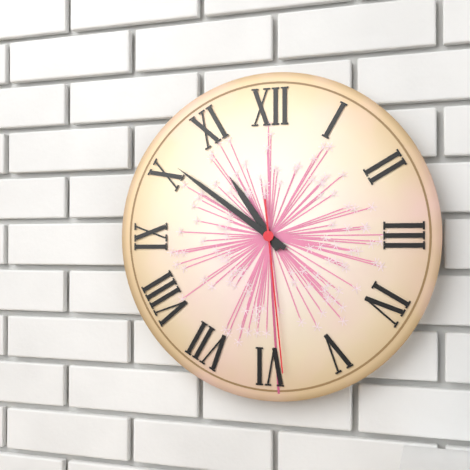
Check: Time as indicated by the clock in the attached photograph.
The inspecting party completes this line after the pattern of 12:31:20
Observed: 10:51:29
